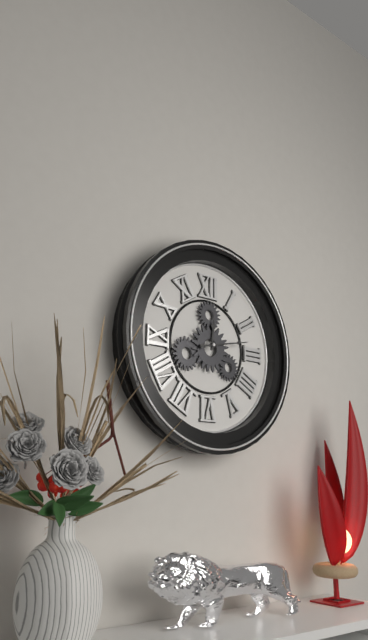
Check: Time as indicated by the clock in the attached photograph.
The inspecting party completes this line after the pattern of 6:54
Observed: 12:13
